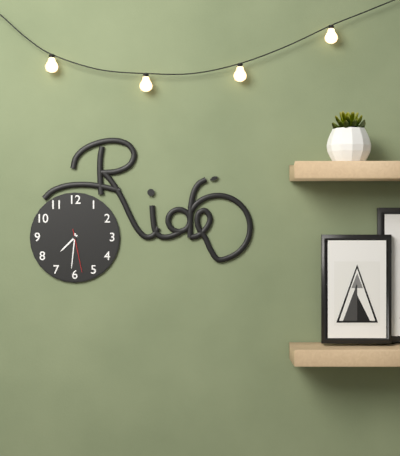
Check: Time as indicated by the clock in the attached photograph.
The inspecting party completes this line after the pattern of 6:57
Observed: 7:31
